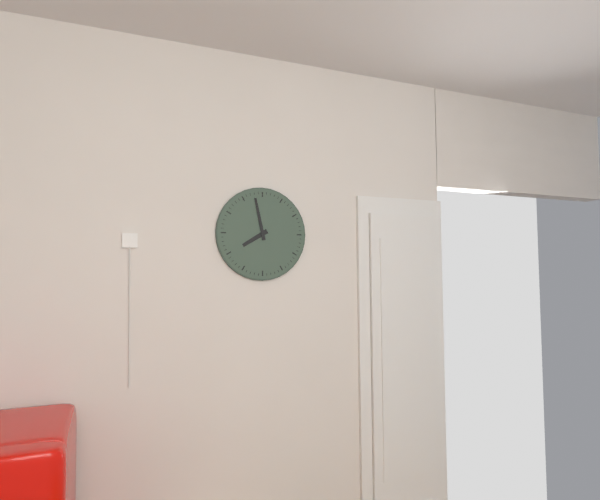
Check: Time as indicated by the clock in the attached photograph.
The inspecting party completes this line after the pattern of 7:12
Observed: 7:58
